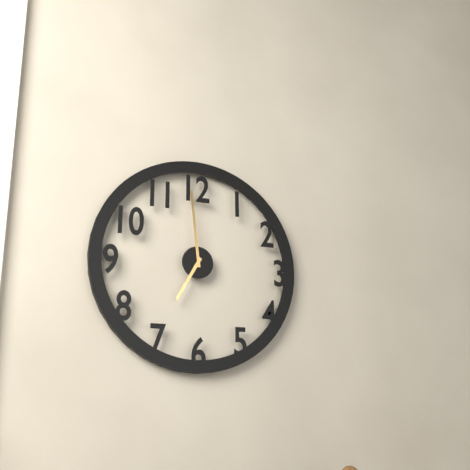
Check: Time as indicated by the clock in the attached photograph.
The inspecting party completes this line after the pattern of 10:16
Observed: 6:59
